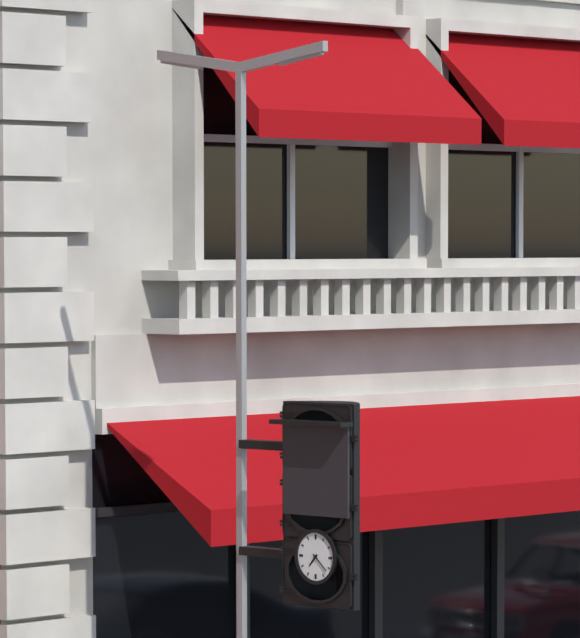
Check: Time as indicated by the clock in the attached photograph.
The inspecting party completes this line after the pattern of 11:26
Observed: 7:22
